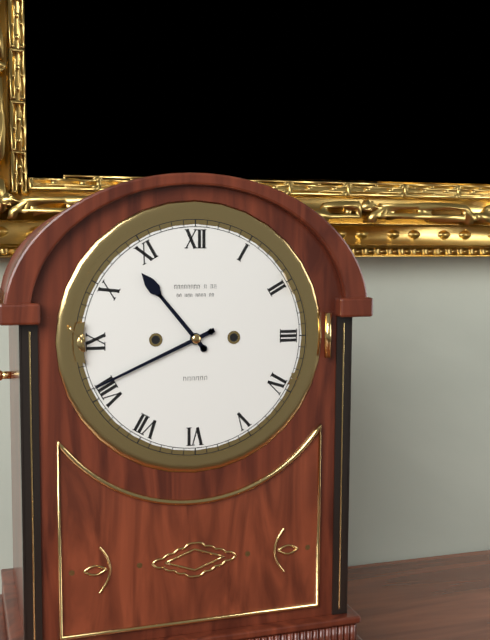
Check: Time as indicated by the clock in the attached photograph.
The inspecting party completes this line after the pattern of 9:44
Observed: 10:41
